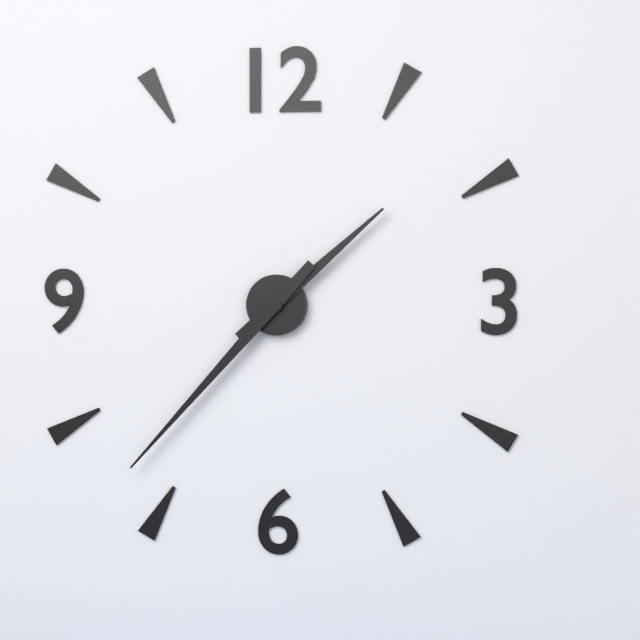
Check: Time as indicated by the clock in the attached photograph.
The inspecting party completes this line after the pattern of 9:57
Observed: 1:37
